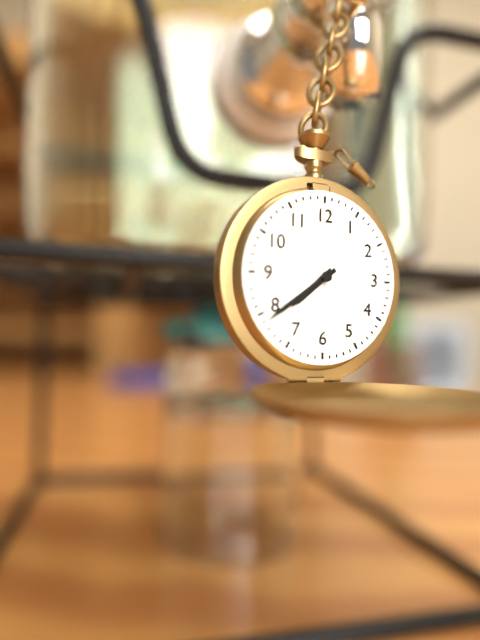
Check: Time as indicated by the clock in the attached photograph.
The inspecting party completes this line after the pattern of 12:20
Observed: 7:39
